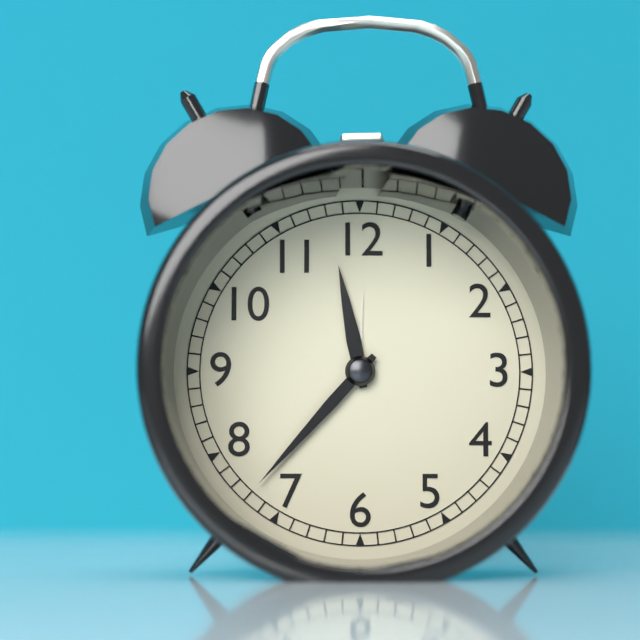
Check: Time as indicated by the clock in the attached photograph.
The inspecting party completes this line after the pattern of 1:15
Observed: 11:37
